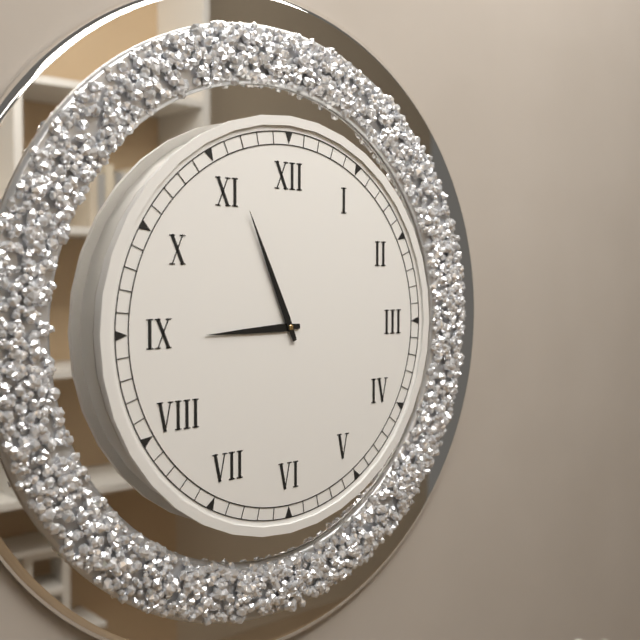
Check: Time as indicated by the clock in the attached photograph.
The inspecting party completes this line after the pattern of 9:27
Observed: 8:56
